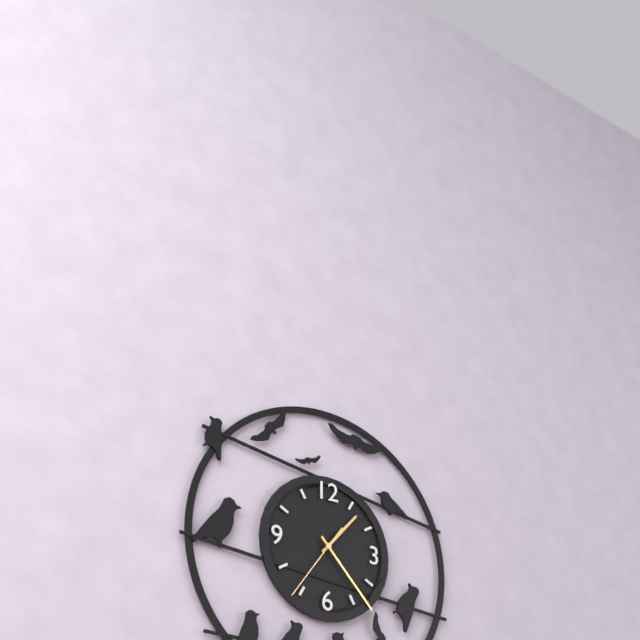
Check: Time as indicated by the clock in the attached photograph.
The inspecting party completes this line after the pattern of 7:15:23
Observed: 1:23:36
